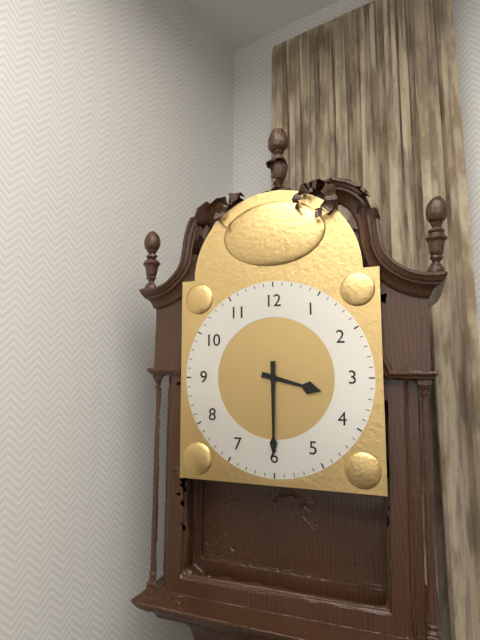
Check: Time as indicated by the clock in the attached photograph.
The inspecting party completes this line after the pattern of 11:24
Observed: 3:30
